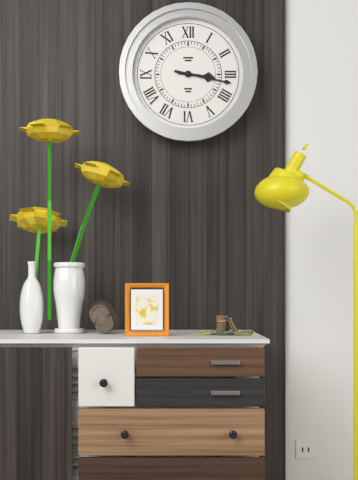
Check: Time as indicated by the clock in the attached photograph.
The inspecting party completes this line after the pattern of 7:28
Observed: 3:17
